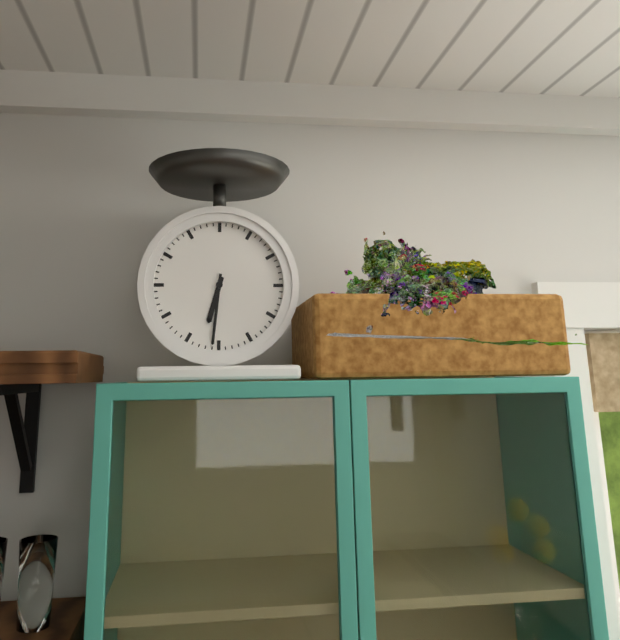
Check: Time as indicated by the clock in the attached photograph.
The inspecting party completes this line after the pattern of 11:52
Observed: 6:31
